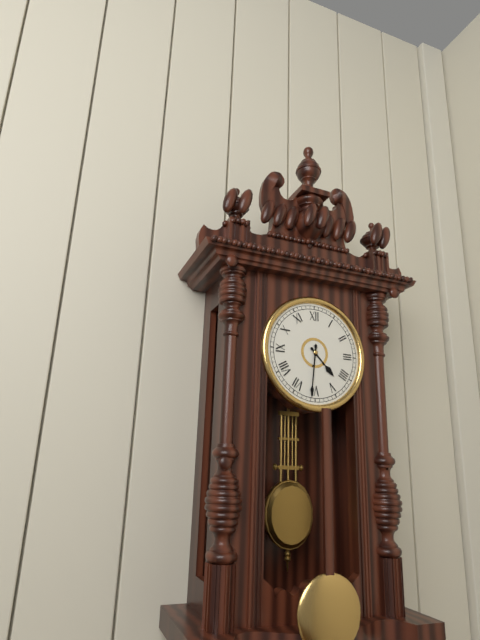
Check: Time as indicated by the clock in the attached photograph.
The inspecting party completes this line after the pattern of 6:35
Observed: 4:31
